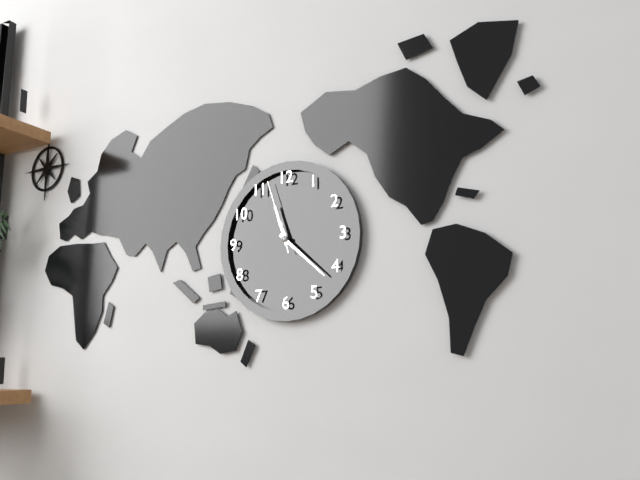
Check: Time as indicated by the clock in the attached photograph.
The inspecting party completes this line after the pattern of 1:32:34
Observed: 11:22:57
